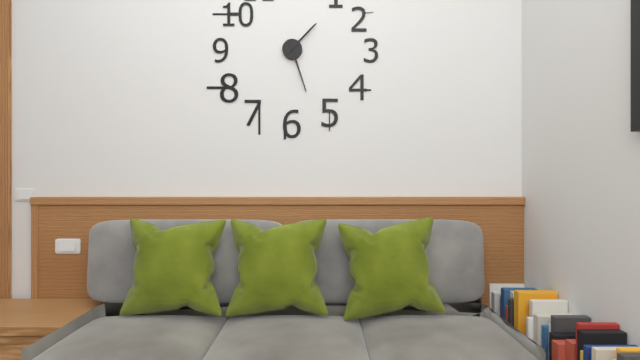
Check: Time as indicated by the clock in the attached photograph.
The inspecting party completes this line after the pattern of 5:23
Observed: 1:27
